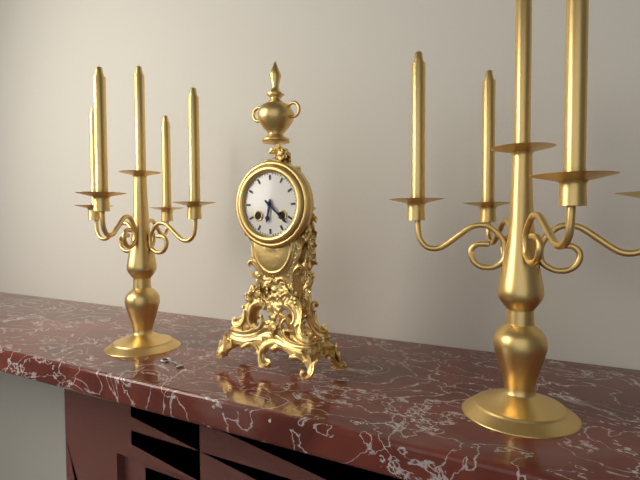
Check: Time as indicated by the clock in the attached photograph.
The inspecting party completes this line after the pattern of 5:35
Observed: 6:22
